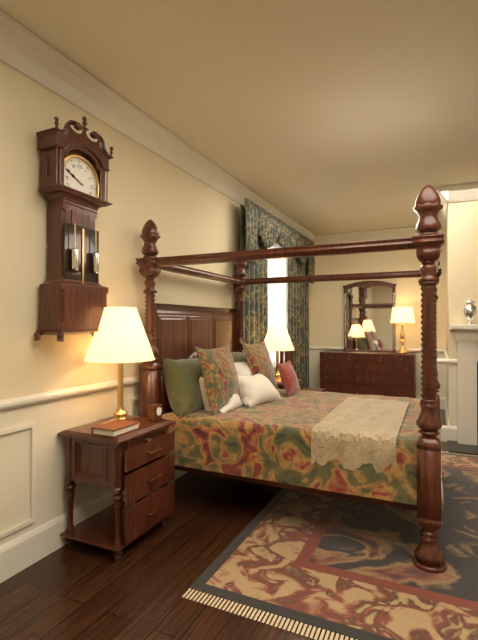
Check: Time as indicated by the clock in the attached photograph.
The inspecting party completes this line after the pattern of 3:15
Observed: 9:49
